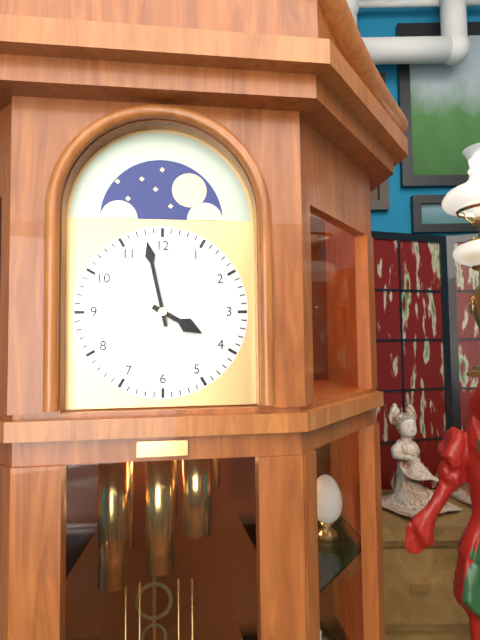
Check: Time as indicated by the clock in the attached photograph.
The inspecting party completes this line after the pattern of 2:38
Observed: 3:58
